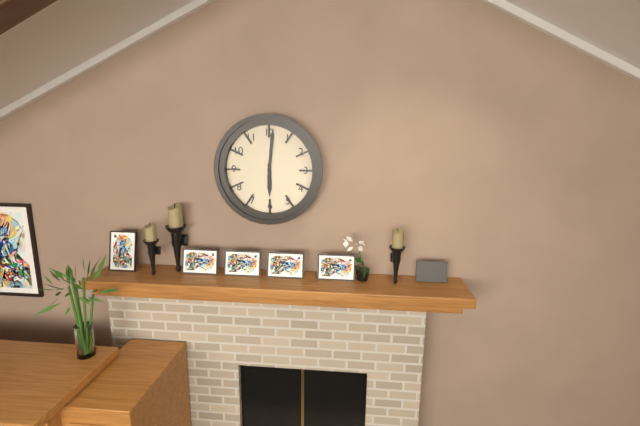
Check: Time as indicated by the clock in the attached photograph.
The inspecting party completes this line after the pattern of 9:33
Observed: 6:01
